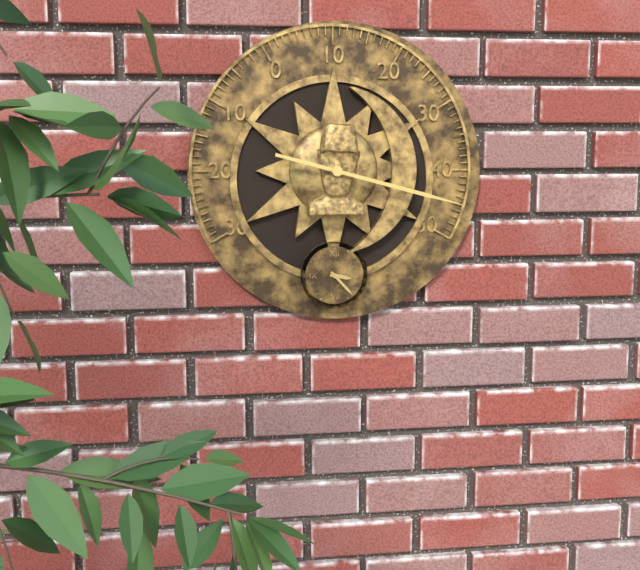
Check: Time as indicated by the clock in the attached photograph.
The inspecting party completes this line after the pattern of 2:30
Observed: 3:23
